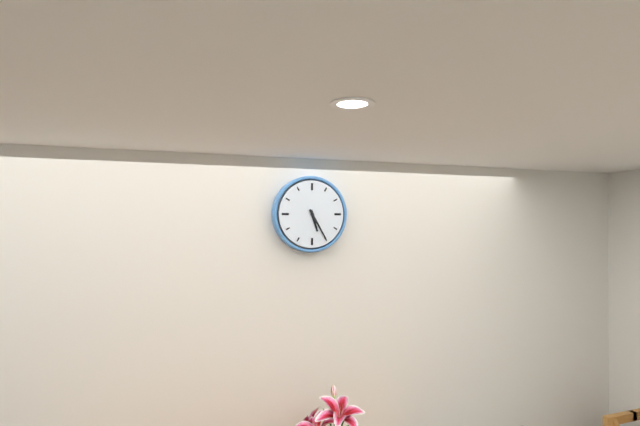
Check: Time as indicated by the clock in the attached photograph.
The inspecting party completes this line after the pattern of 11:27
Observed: 5:25
